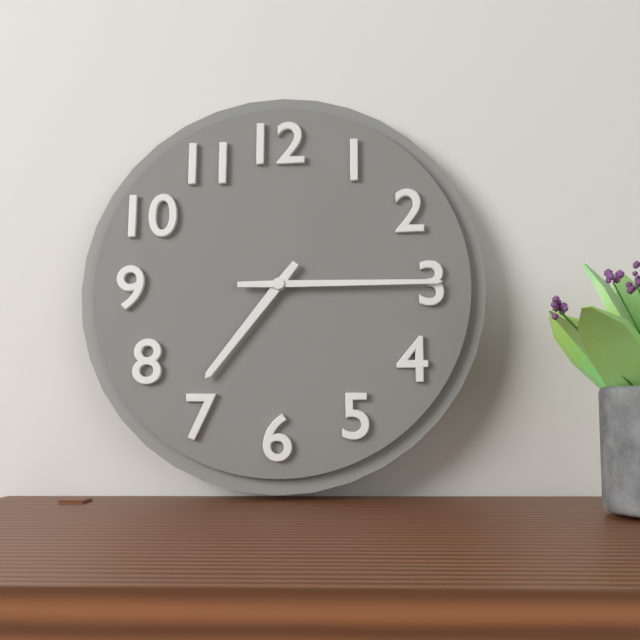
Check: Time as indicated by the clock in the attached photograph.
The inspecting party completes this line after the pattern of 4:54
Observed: 7:15
